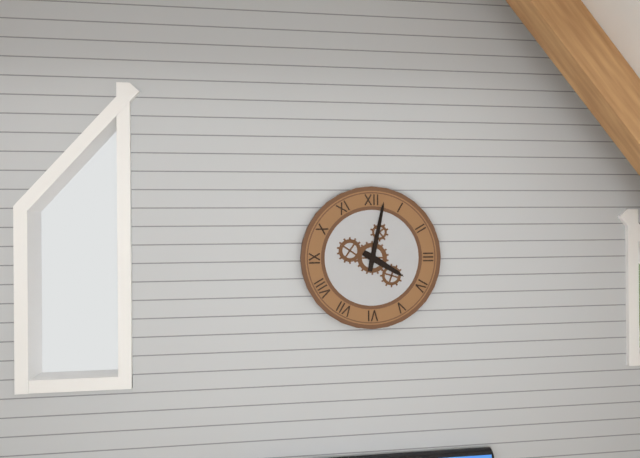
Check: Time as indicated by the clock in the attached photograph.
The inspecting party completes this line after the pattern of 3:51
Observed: 4:02
